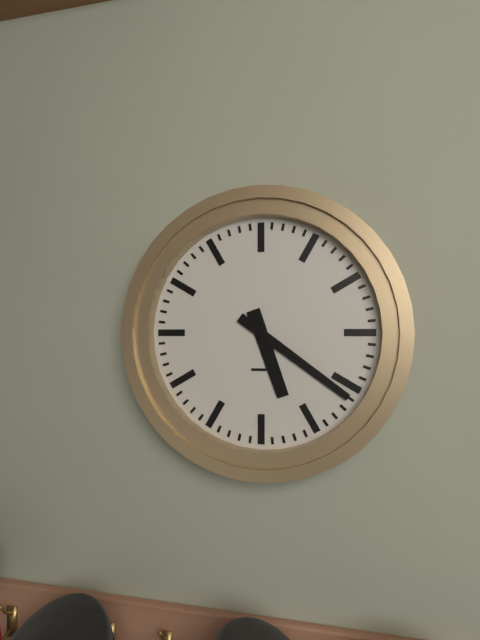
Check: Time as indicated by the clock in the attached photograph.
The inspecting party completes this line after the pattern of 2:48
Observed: 5:21
